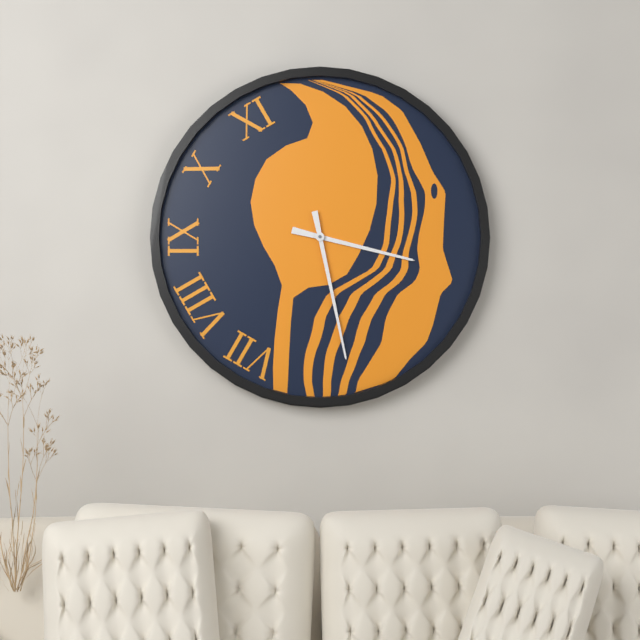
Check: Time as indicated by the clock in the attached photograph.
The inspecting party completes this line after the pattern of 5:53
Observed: 3:28
